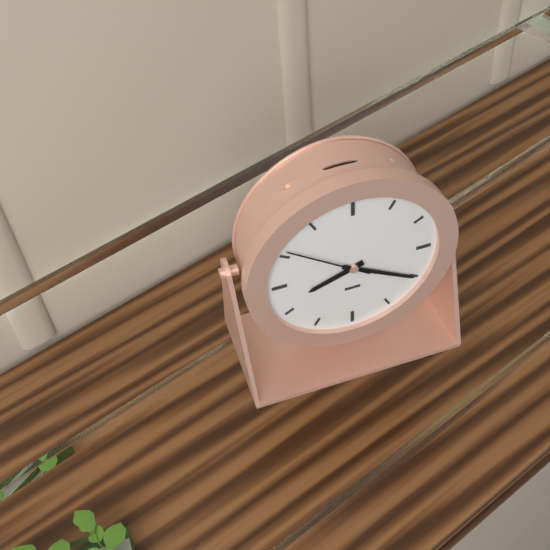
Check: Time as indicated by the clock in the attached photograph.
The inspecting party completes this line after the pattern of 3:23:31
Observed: 8:20:51
